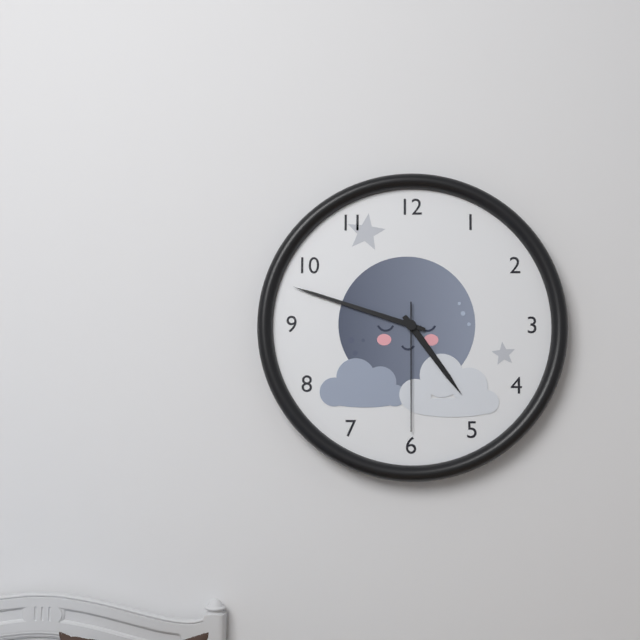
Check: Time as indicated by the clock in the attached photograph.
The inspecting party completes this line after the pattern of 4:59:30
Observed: 4:48:30
